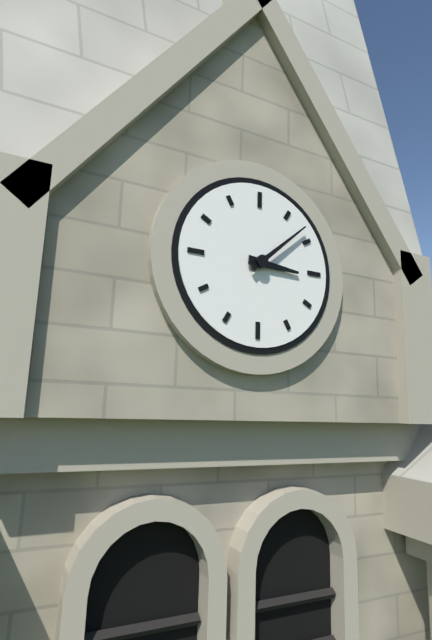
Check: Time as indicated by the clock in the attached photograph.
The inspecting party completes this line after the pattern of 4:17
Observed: 3:08
